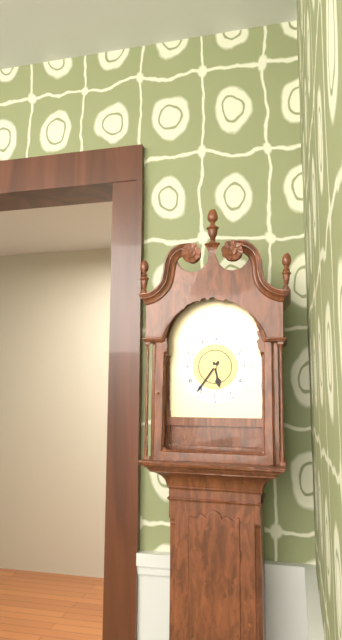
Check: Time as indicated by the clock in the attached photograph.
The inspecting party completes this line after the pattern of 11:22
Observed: 5:36
